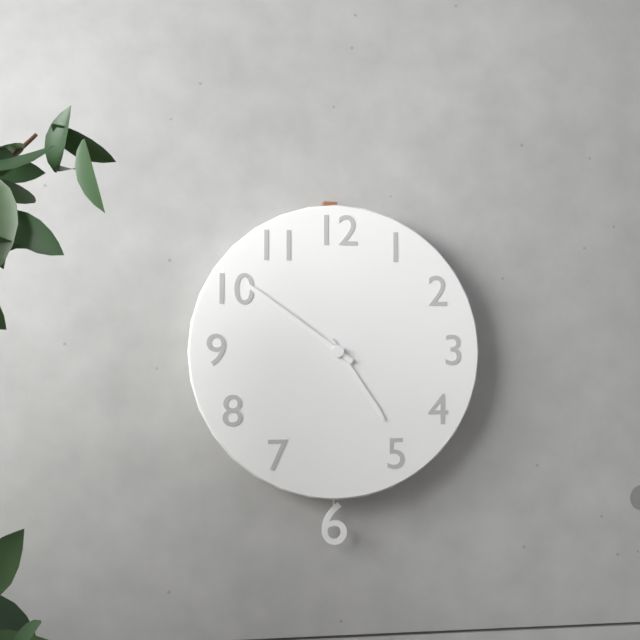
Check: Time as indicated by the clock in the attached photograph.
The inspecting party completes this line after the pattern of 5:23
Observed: 4:51
